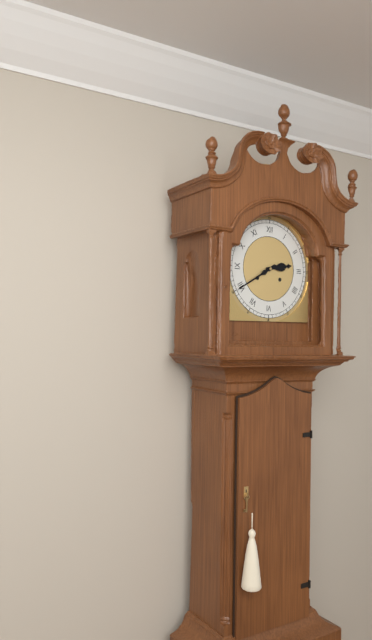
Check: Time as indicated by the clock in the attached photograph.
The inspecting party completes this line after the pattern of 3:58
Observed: 2:40
